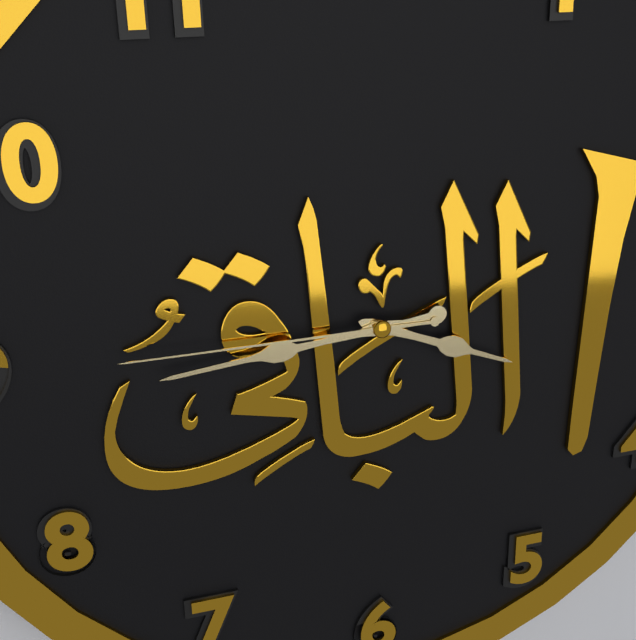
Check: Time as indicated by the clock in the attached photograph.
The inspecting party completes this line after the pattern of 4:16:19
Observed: 3:44:45
